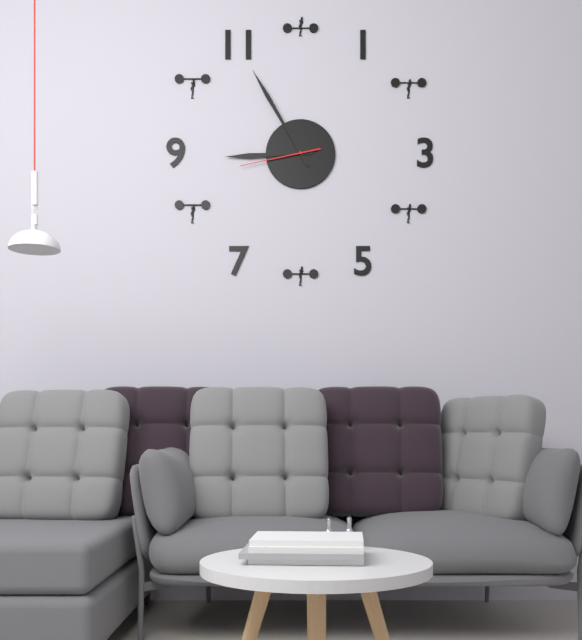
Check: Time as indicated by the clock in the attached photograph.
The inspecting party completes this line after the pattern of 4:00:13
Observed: 8:55:43
